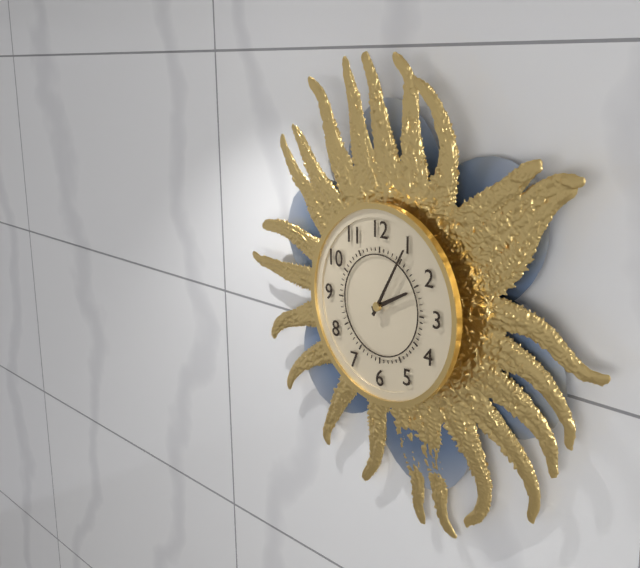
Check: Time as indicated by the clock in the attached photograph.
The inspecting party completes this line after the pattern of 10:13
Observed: 2:05
